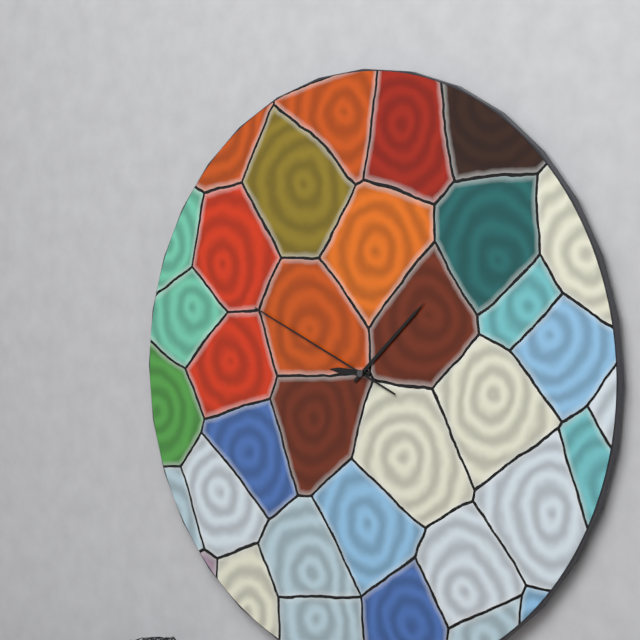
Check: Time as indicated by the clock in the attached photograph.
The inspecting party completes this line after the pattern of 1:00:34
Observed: 9:08:49
